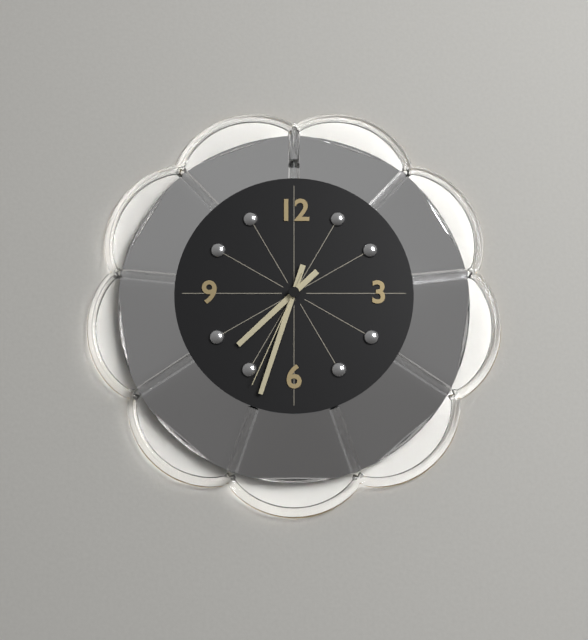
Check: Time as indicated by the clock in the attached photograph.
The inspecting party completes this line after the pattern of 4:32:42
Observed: 7:33:34
